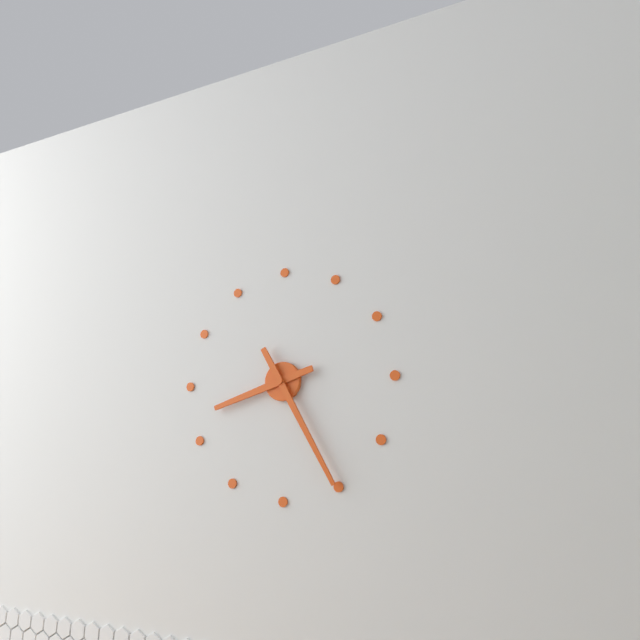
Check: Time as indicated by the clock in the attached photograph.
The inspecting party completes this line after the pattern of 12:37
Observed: 8:25
